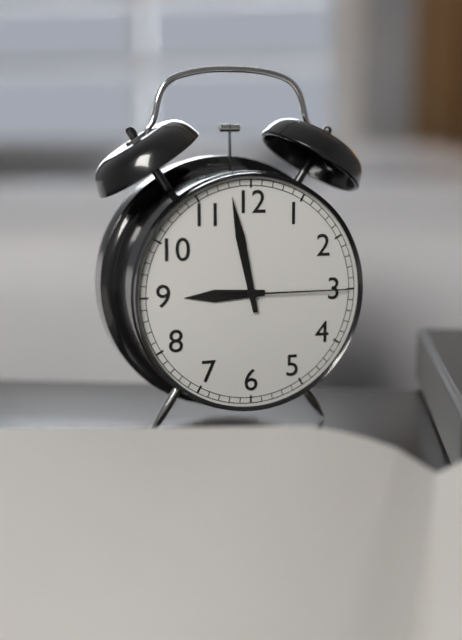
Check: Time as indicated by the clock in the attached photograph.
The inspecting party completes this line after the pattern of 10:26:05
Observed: 8:58:15
